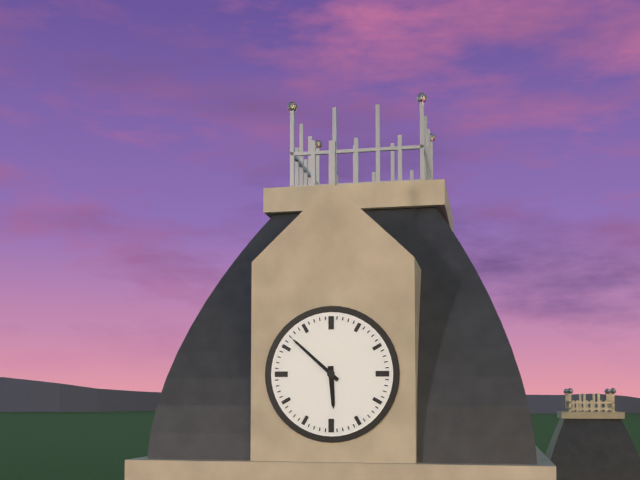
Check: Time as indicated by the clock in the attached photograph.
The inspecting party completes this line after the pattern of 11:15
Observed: 5:52
